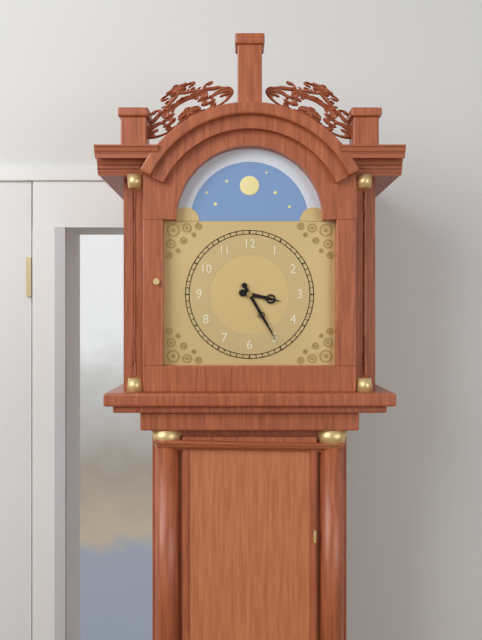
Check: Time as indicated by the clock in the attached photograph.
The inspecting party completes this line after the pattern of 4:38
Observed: 3:25
